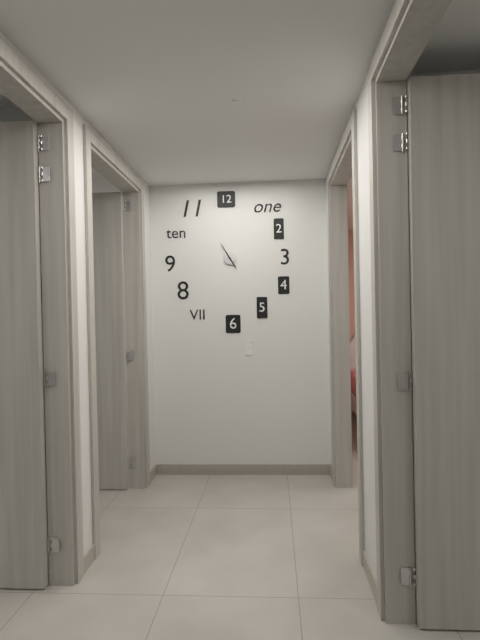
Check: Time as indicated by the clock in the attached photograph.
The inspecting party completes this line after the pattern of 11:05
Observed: 4:55
